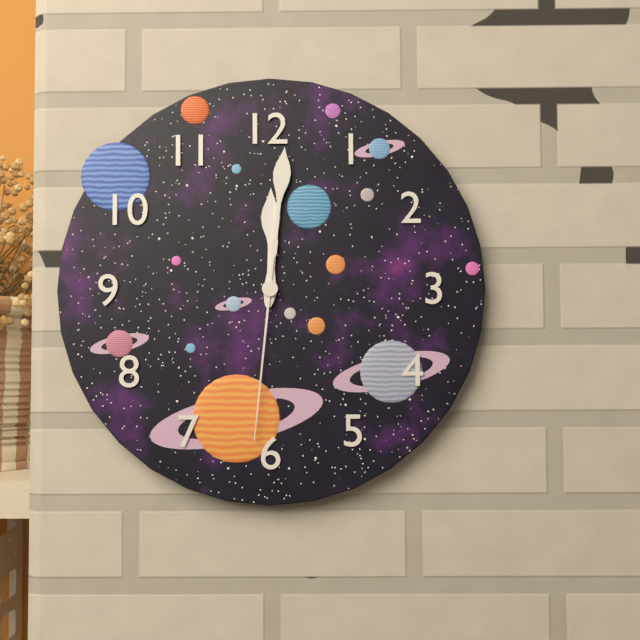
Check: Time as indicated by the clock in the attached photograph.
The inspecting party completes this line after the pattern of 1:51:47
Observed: 12:01:31
